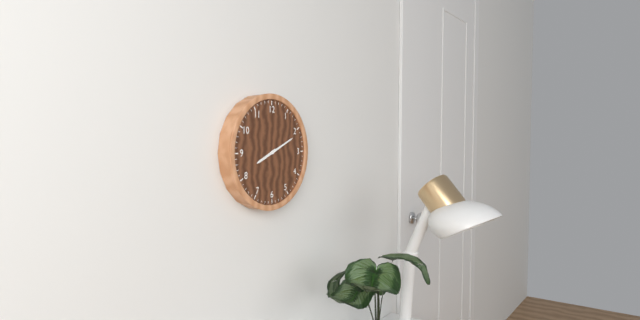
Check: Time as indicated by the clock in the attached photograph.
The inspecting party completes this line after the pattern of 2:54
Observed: 8:11
